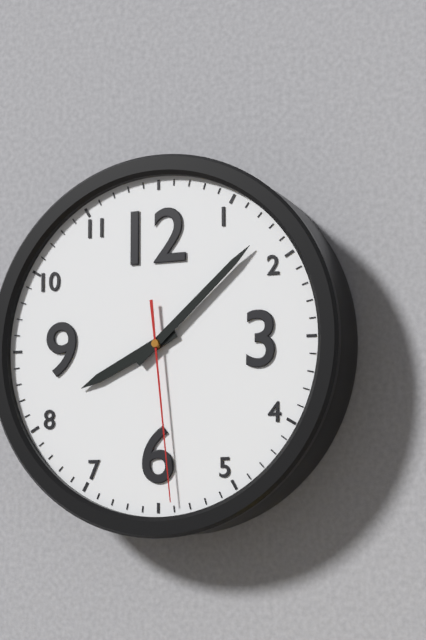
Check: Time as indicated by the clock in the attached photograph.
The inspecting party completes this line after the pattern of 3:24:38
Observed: 8:08:29
